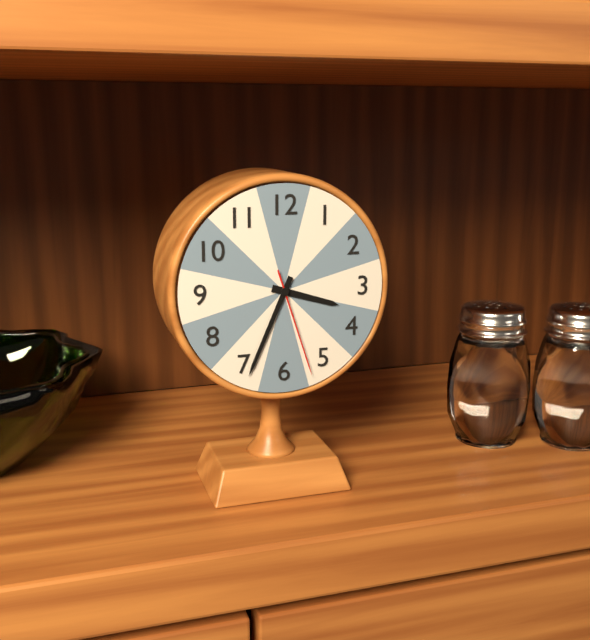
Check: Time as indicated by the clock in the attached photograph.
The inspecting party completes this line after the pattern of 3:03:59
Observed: 3:34:27
